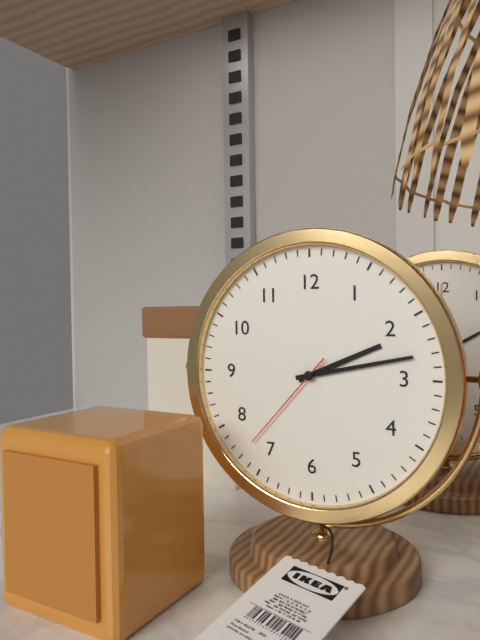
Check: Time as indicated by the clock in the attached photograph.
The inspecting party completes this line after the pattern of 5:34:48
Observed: 2:13:37
